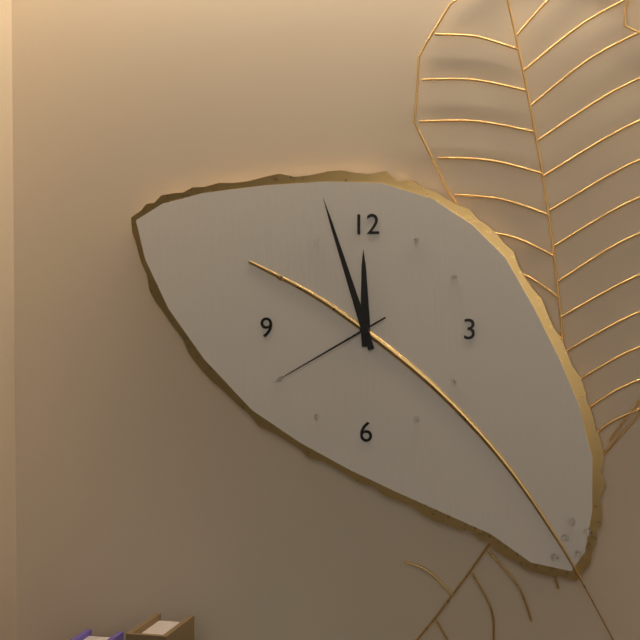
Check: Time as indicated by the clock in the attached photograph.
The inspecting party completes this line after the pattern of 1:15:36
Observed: 11:57:40
